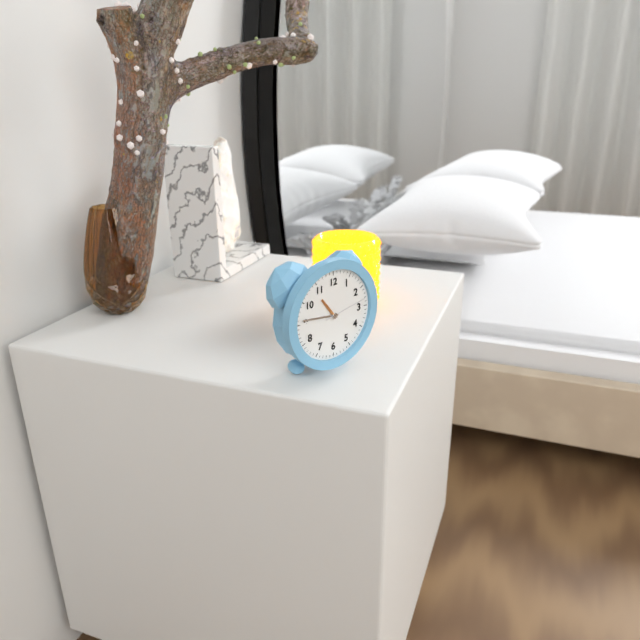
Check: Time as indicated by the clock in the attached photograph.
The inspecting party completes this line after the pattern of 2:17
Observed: 10:46
